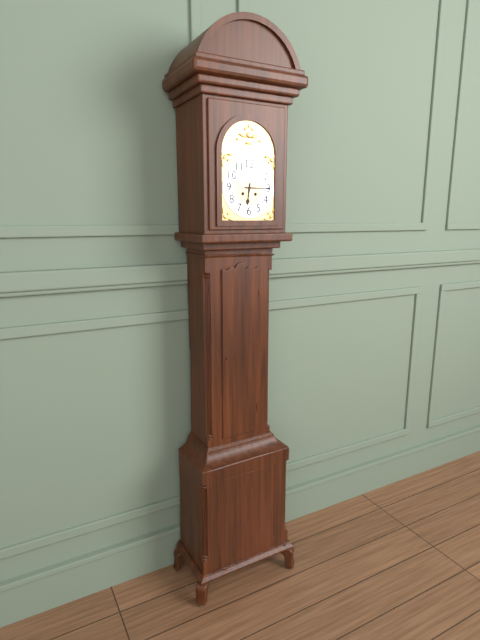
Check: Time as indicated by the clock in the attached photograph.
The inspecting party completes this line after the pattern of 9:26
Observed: 6:15
